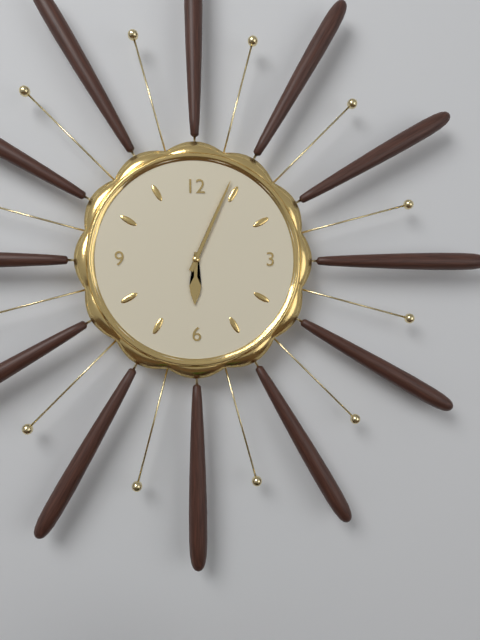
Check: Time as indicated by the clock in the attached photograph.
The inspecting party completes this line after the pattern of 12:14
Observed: 6:04
